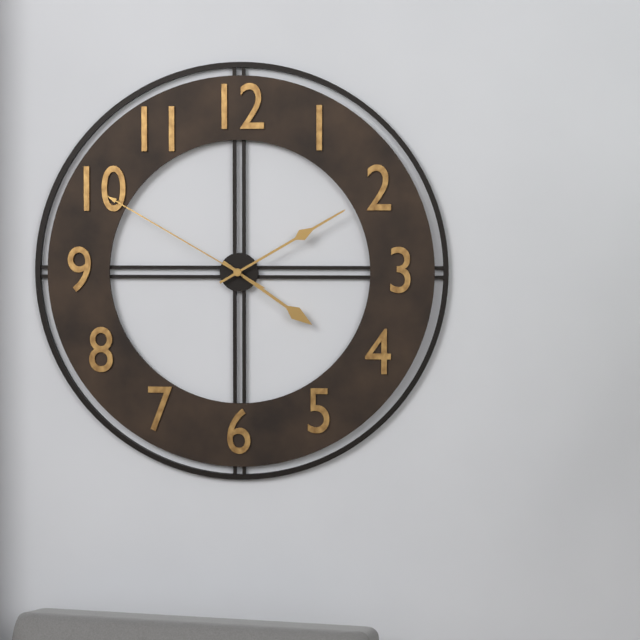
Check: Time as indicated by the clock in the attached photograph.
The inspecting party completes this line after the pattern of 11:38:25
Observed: 4:10:50
